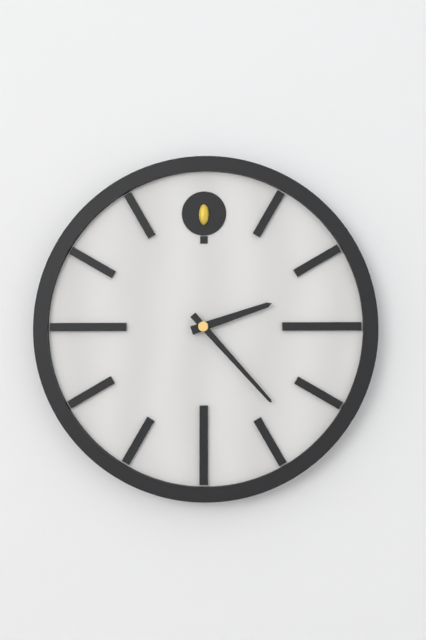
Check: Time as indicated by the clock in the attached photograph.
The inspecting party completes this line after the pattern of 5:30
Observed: 2:23
